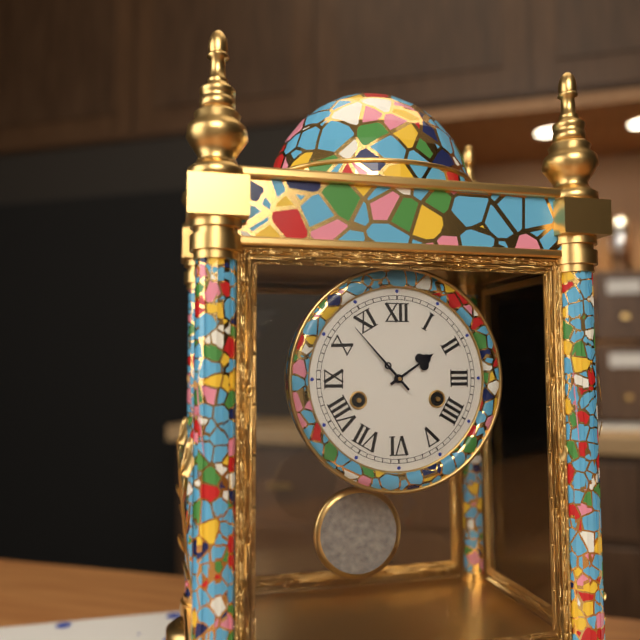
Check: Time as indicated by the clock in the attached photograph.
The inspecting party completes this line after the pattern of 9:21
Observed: 1:53
